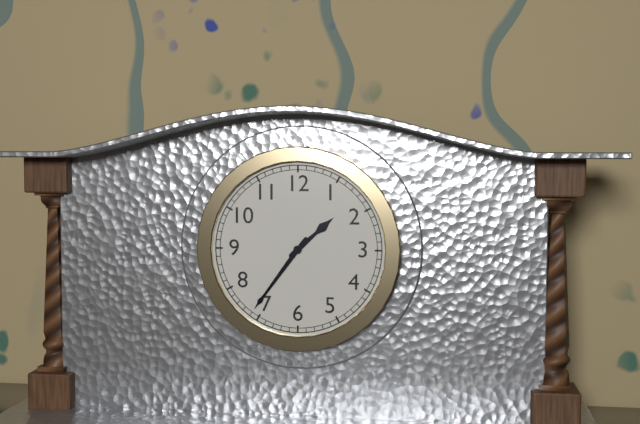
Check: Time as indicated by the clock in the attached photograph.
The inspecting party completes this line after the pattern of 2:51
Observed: 1:36
